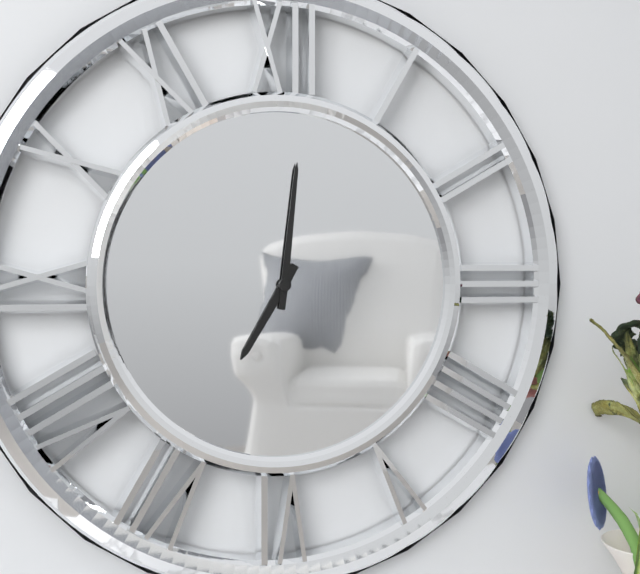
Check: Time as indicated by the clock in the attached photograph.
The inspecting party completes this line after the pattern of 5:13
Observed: 7:01
